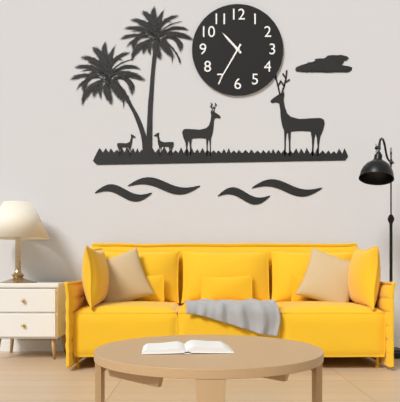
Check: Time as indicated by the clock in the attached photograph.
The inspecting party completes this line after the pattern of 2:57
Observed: 10:35
